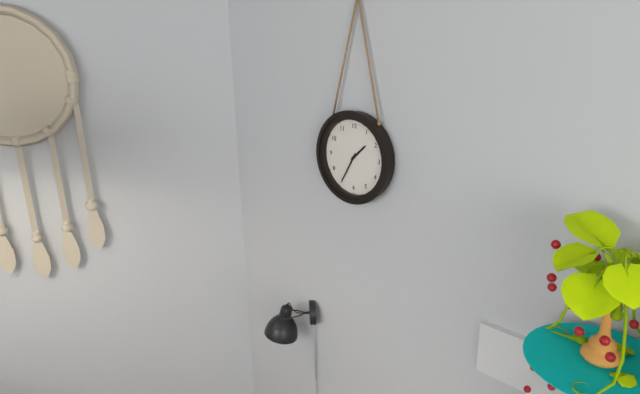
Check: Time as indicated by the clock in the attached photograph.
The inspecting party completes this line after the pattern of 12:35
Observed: 1:35
